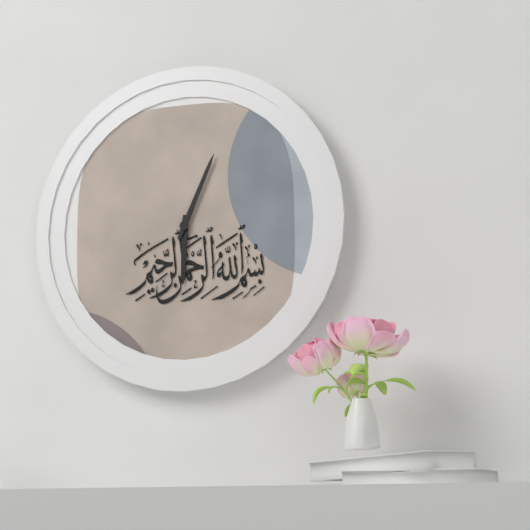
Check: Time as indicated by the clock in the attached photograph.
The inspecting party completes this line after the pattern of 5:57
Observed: 6:04
